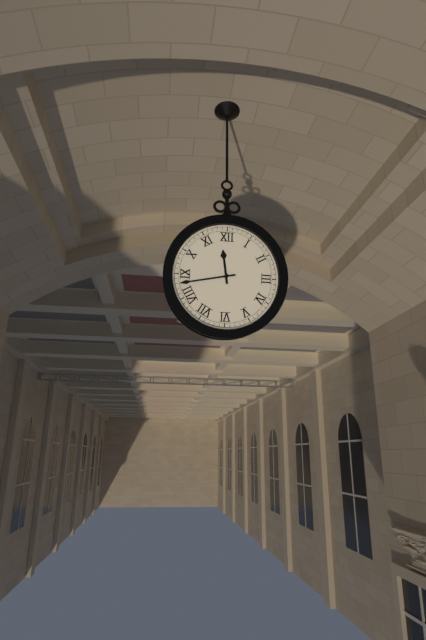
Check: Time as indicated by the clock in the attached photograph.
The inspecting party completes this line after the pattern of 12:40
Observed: 11:43
